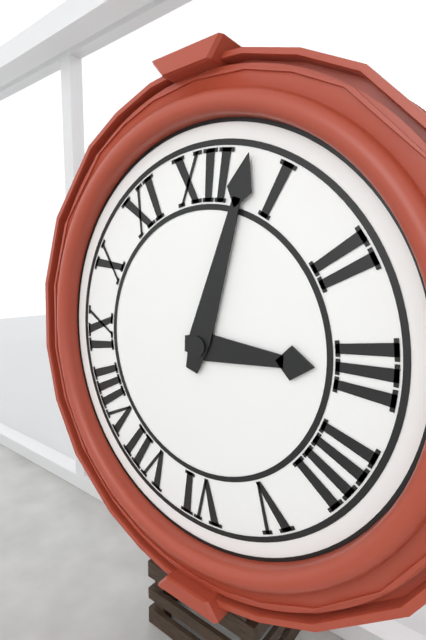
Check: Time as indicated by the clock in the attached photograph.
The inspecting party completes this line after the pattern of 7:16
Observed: 3:03
